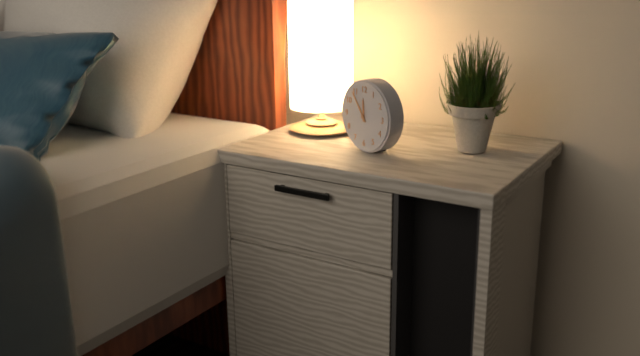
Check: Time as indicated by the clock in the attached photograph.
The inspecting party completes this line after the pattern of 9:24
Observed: 11:54
